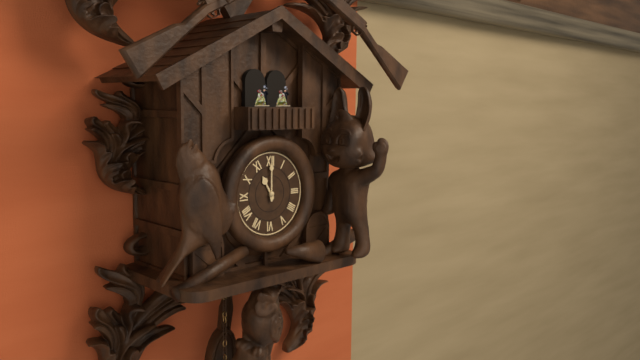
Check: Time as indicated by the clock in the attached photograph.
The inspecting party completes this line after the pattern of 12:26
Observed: 11:00
